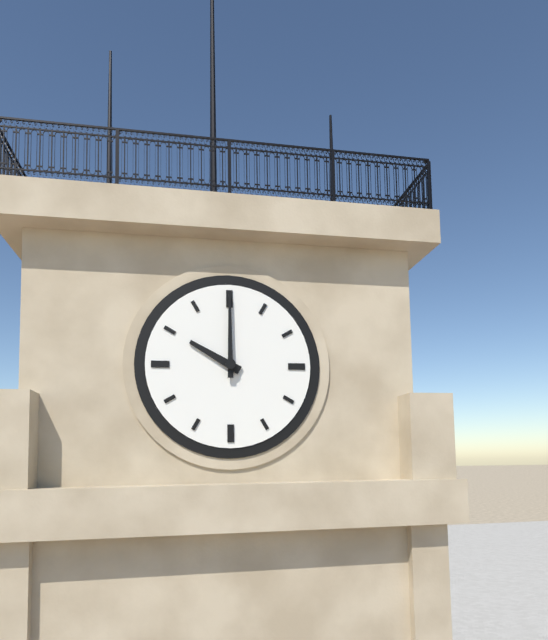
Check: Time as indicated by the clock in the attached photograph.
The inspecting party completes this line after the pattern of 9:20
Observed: 10:00
